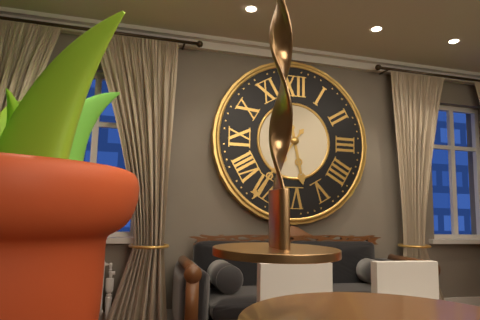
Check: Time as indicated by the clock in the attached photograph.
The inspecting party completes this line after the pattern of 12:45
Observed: 5:36
